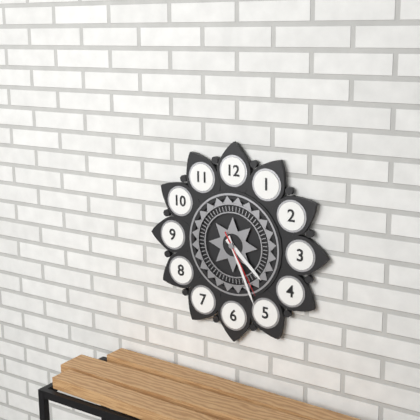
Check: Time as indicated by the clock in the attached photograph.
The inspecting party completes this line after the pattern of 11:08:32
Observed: 4:26:25
